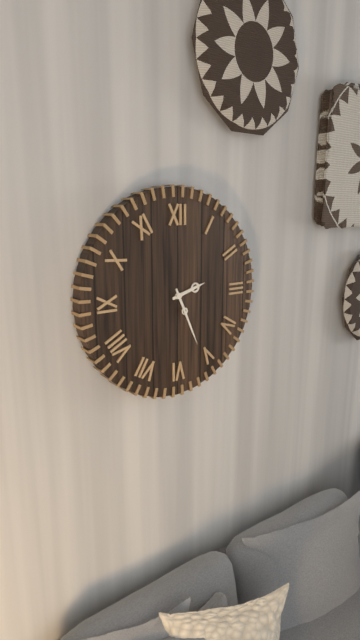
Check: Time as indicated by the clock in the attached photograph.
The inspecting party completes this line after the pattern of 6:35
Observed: 2:26
